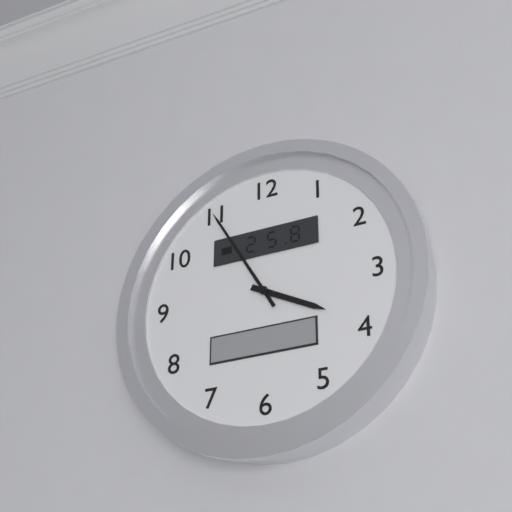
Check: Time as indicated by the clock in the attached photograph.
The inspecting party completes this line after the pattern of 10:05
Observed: 3:55
